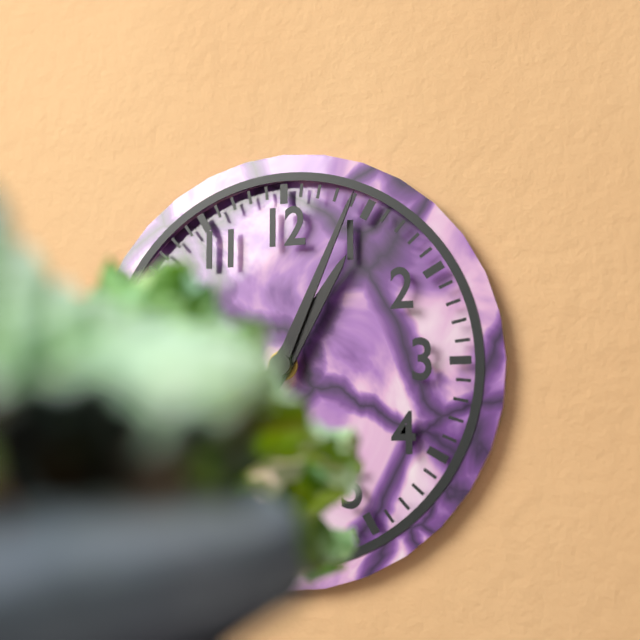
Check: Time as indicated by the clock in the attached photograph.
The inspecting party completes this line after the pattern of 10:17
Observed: 1:04
